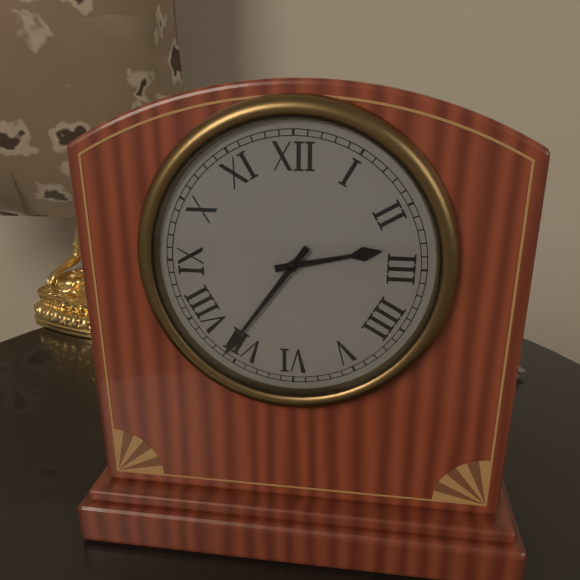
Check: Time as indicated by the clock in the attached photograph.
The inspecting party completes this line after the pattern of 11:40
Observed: 2:36
